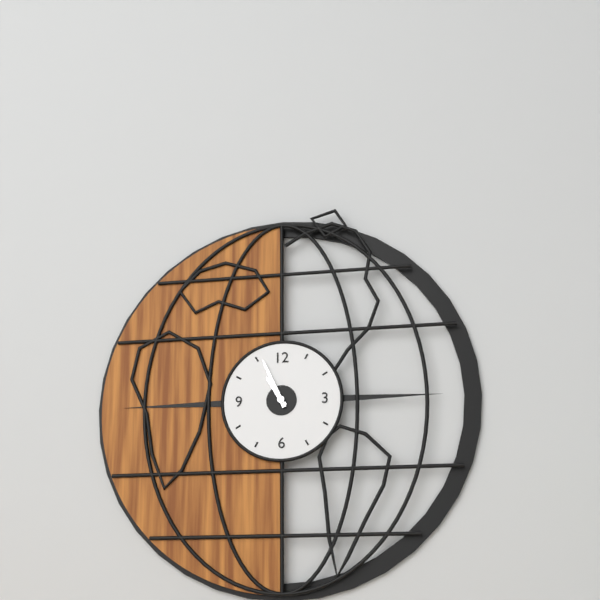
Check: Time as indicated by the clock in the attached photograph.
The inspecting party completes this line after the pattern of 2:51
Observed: 10:56
